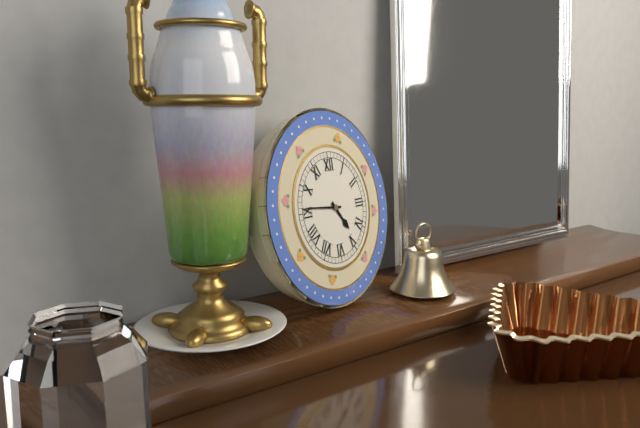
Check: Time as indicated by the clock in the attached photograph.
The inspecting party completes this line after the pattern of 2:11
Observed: 4:46
